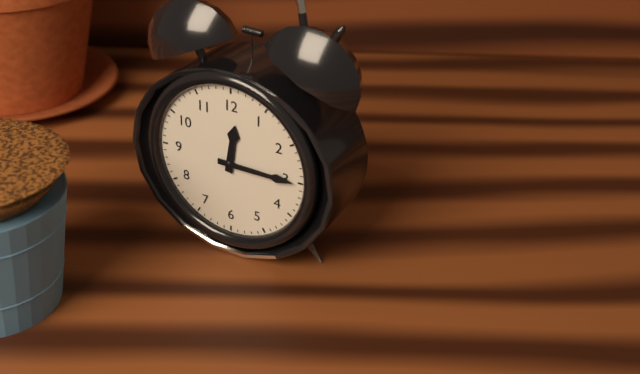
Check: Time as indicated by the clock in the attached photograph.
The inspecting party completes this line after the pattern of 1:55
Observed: 12:15
